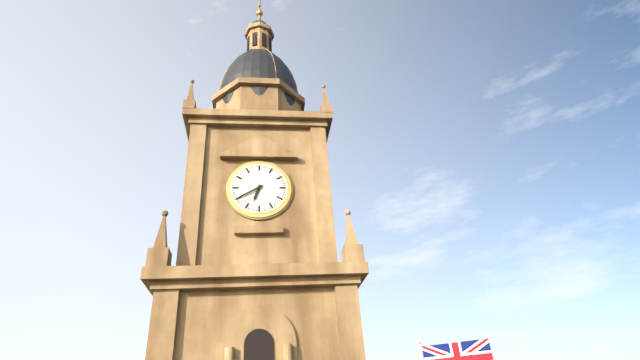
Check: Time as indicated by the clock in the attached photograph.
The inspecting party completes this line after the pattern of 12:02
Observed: 6:40
